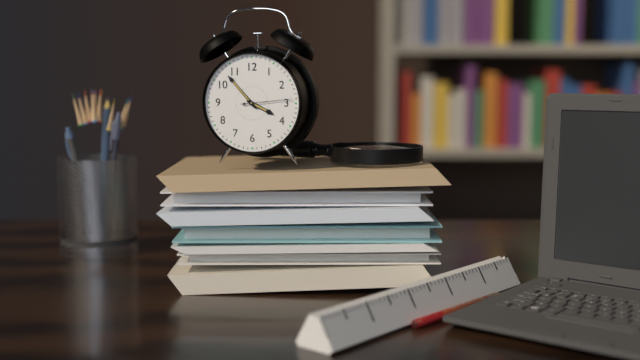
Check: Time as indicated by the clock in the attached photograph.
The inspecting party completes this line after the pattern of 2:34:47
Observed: 3:53:14
